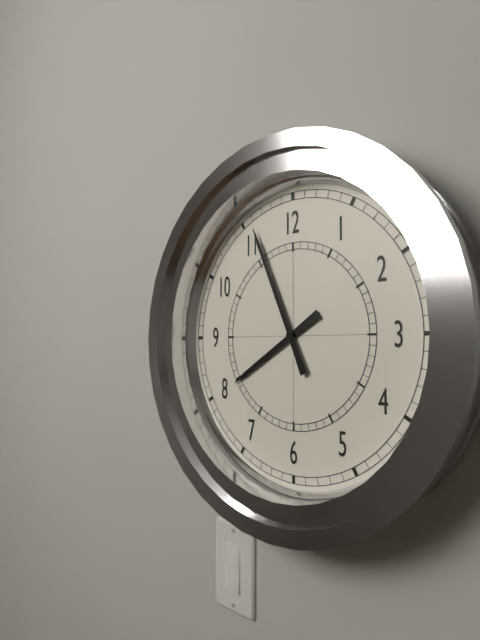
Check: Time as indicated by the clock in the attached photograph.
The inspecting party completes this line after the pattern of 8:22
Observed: 7:56
